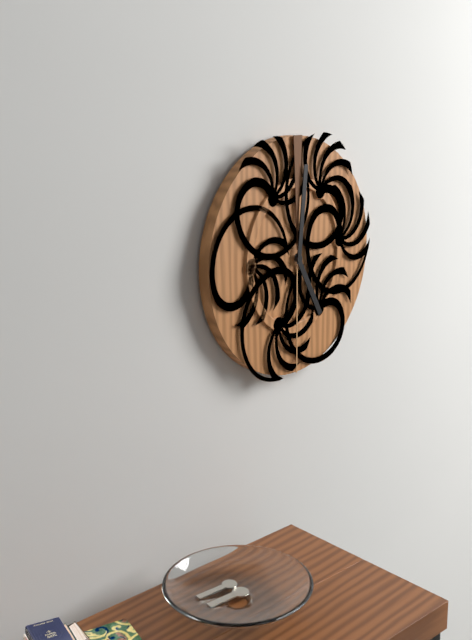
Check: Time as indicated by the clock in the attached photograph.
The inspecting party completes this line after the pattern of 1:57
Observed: 5:01
